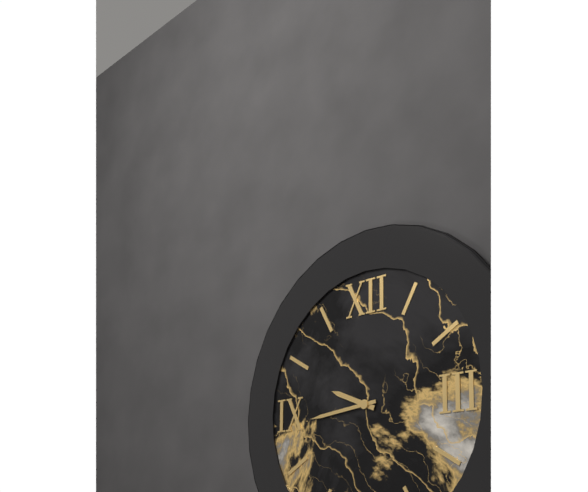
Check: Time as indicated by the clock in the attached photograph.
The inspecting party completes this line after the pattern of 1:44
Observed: 9:44
